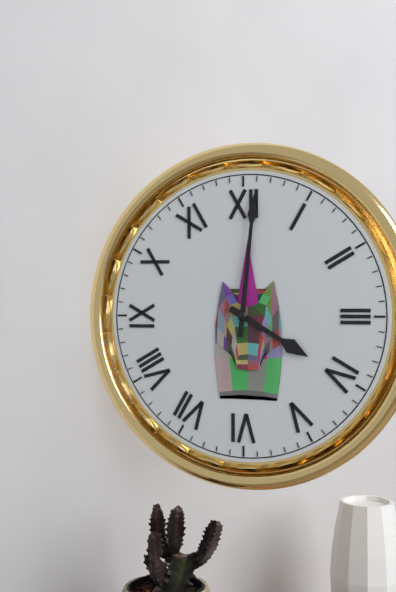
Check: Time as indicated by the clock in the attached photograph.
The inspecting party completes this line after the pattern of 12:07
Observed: 4:01
